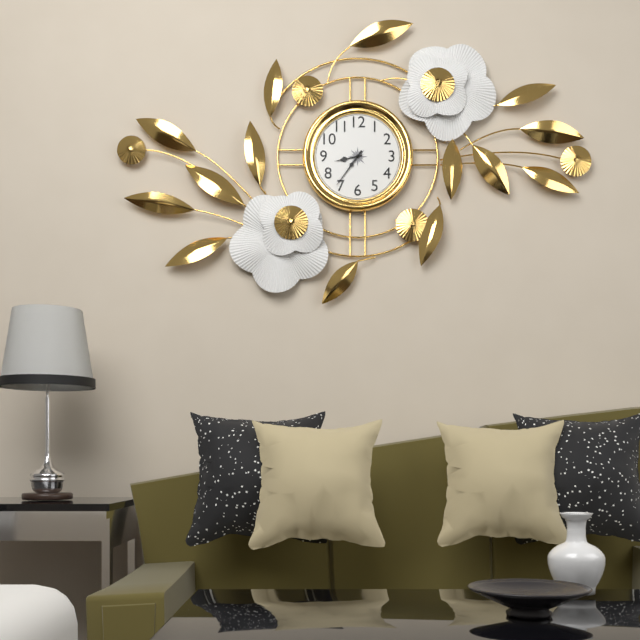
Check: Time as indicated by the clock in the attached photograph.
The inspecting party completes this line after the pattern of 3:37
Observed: 8:36
